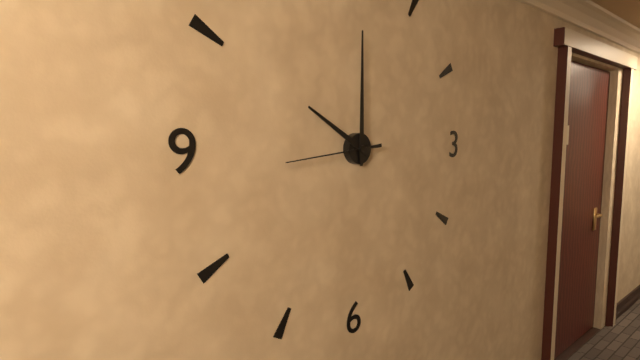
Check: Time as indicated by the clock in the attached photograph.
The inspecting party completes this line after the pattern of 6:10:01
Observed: 10:00:44
